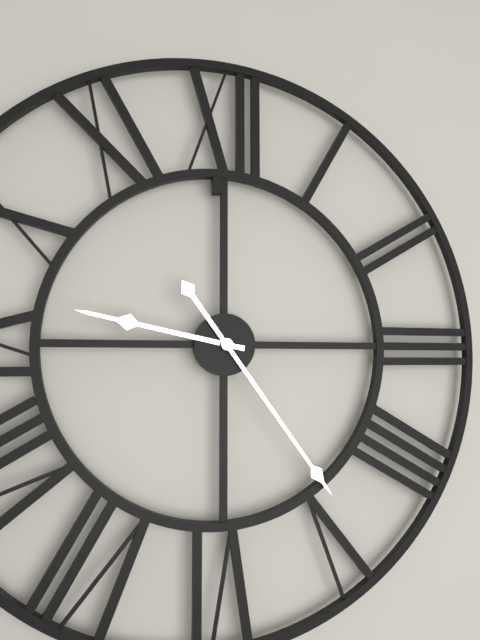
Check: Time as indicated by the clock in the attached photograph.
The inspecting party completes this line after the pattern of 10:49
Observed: 9:24
